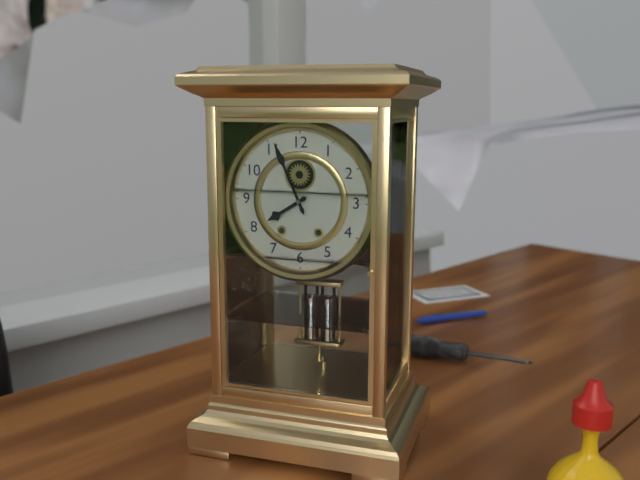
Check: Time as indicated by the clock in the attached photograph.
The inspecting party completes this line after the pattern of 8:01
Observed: 7:56
